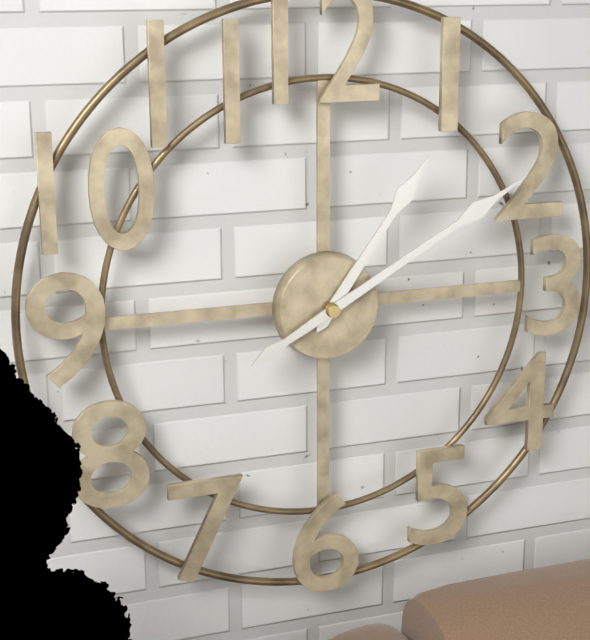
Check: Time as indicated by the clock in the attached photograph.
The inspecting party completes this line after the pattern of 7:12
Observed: 1:10
